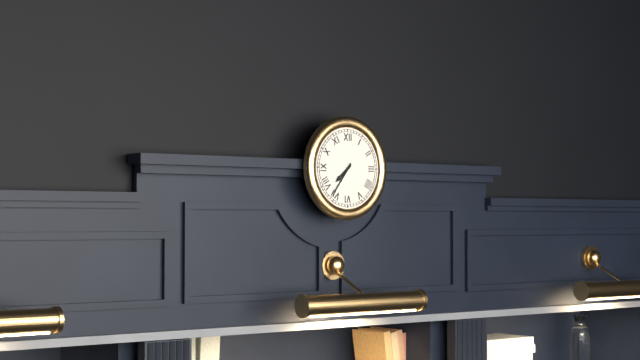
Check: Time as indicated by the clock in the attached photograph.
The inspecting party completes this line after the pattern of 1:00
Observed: 7:36
